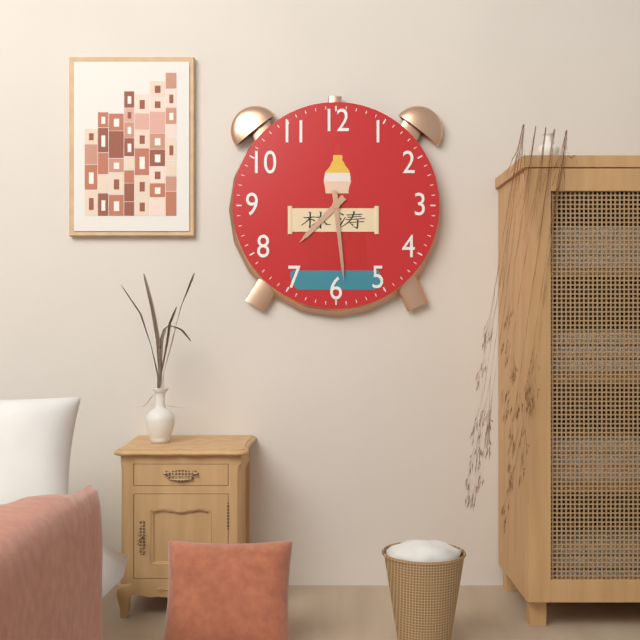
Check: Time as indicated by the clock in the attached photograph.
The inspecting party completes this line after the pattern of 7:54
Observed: 7:29
